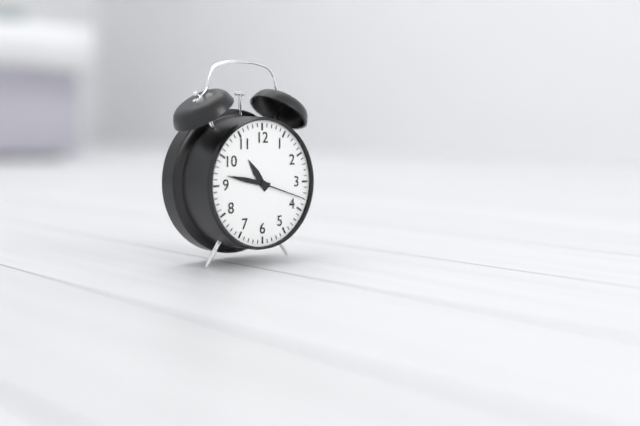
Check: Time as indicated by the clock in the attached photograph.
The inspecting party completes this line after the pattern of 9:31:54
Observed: 10:47:18
